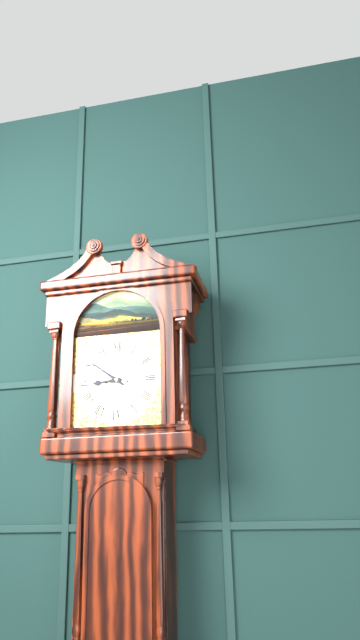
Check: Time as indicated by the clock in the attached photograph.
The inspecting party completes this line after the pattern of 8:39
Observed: 8:51
